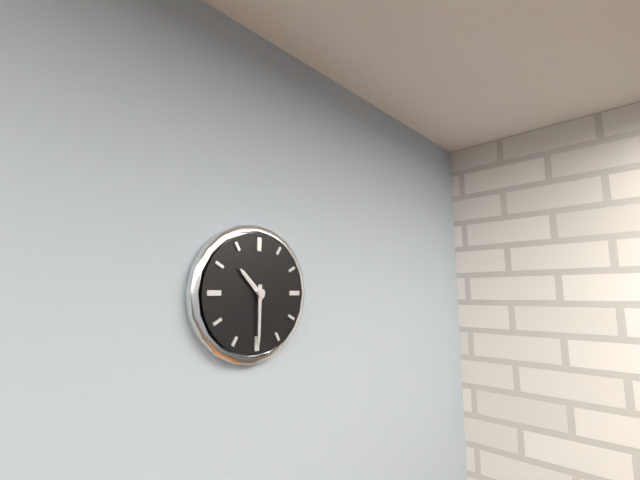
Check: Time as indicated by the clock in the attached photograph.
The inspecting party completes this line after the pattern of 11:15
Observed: 10:30
